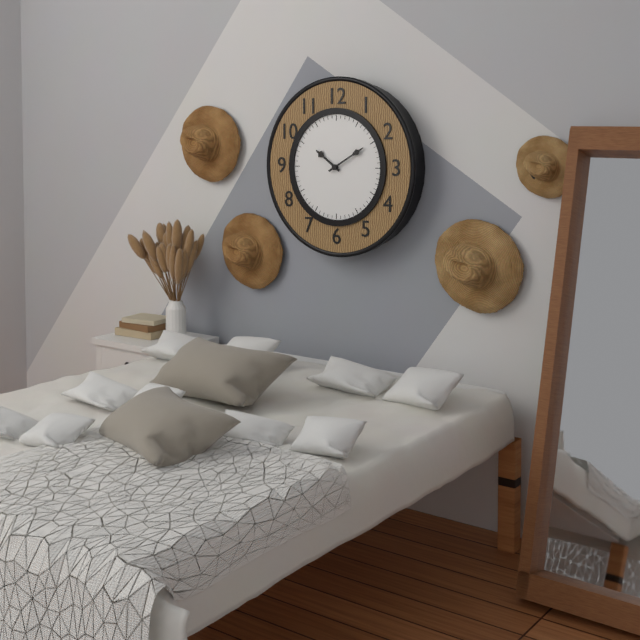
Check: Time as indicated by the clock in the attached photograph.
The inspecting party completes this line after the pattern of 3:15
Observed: 10:10
